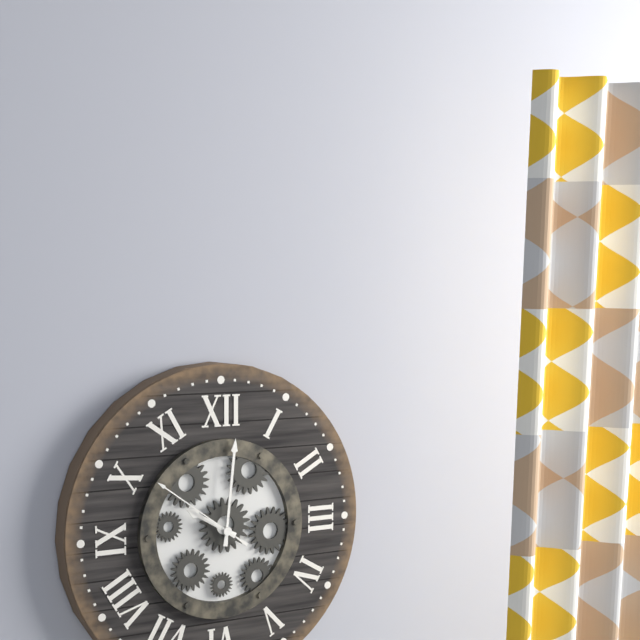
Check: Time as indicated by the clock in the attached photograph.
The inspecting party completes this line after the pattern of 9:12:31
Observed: 10:01:51
